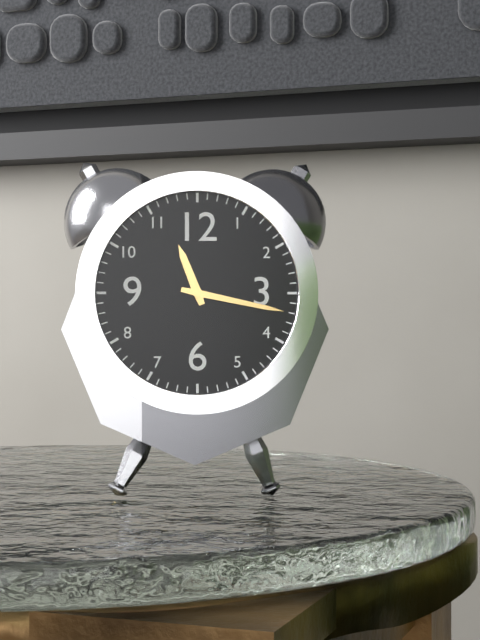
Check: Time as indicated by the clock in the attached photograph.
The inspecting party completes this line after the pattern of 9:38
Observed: 11:17
